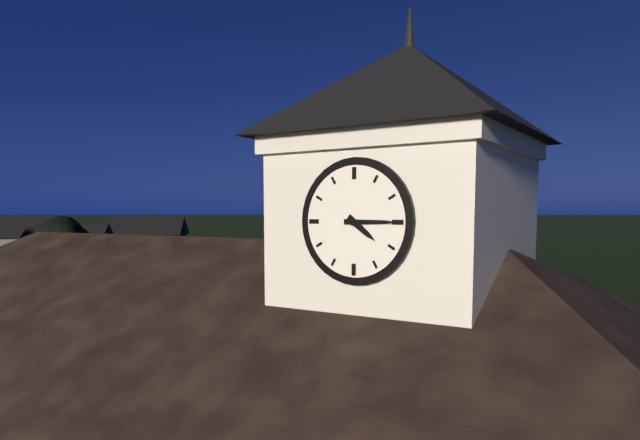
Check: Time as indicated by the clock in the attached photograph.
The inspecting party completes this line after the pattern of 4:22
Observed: 4:15
